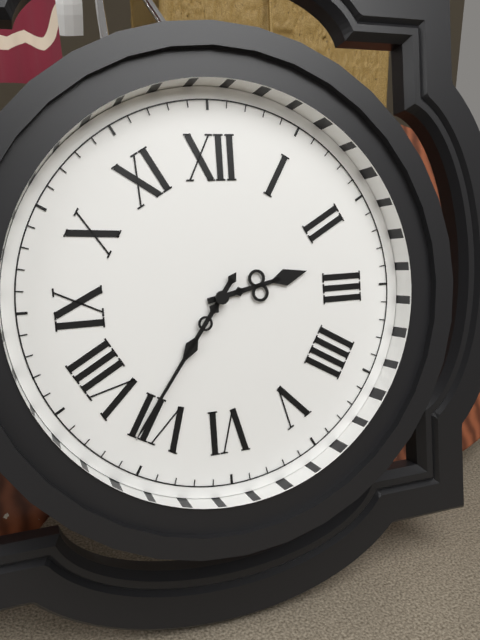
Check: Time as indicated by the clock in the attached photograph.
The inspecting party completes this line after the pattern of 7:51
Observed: 2:36
